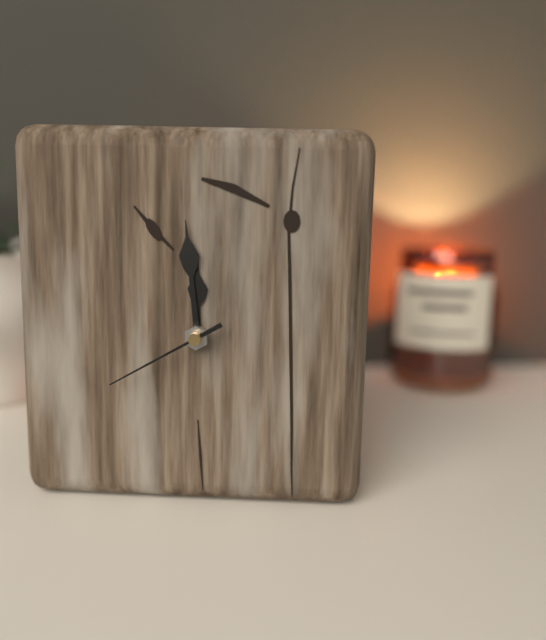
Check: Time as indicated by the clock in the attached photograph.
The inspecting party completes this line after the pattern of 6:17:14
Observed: 11:59:40
